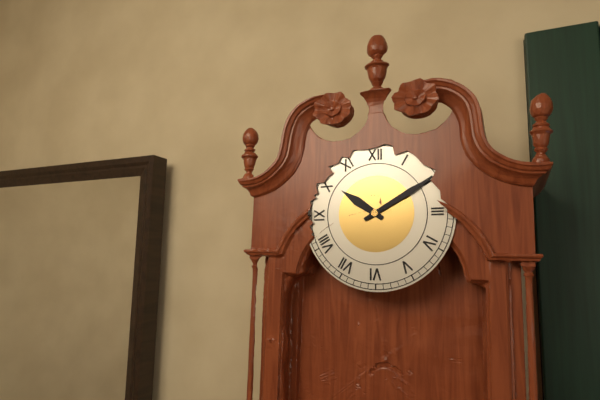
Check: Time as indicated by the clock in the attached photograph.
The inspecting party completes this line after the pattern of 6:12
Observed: 10:10
